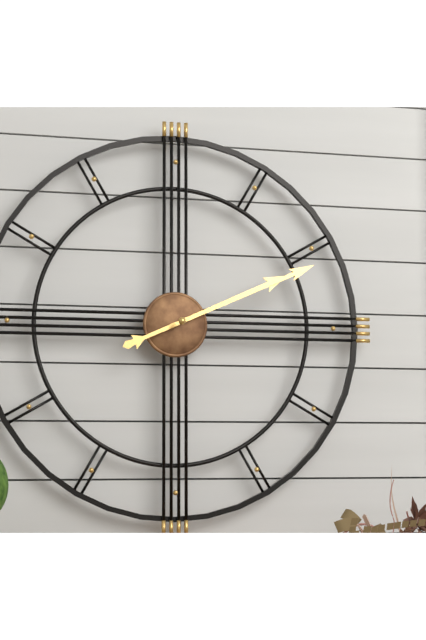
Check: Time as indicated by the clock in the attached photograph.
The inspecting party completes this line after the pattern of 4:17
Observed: 2:11
